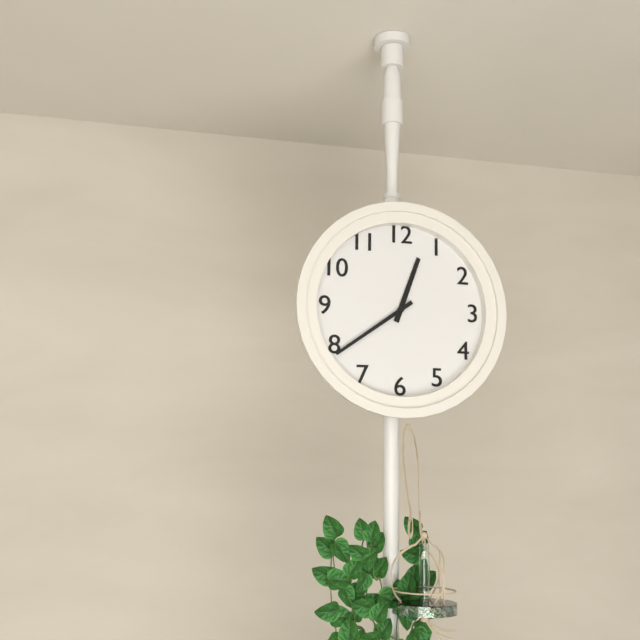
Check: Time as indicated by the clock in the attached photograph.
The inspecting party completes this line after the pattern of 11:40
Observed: 12:39
